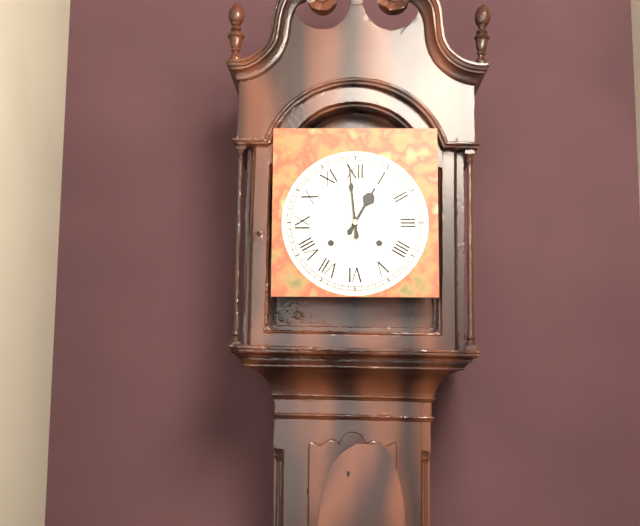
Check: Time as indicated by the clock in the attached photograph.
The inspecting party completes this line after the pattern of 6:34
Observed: 12:59
